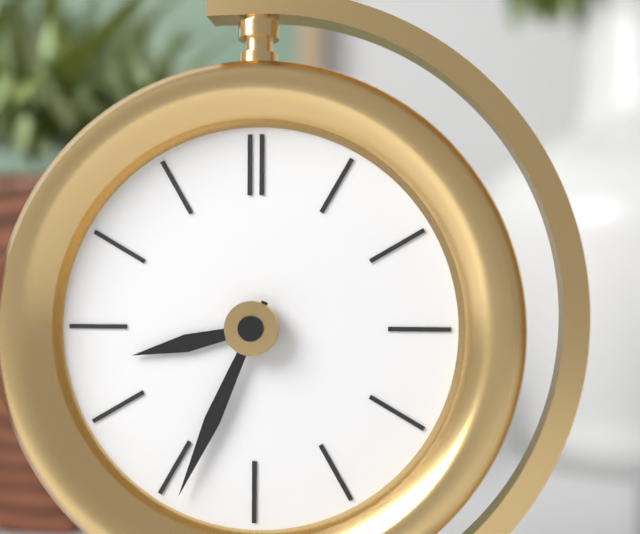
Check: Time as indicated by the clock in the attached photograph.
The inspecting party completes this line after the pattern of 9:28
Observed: 8:34
